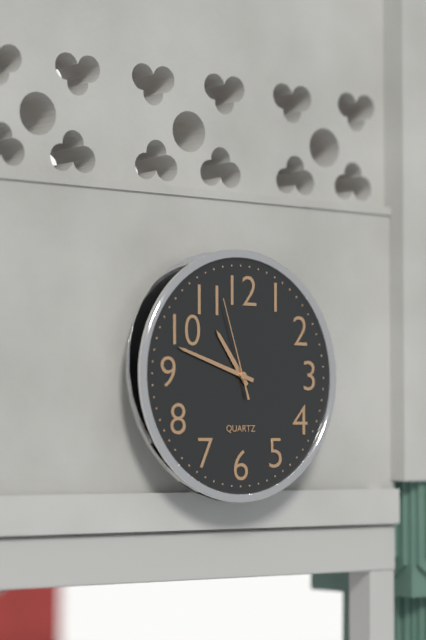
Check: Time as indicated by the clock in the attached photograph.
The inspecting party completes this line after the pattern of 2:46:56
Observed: 10:48:57
